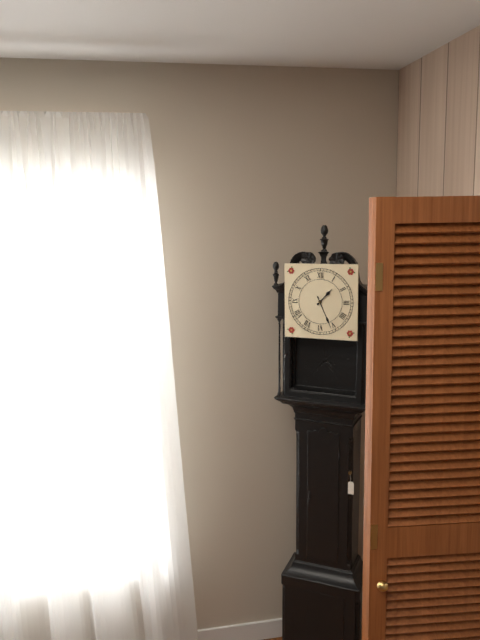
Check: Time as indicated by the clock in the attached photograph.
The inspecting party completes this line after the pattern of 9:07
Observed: 1:26
